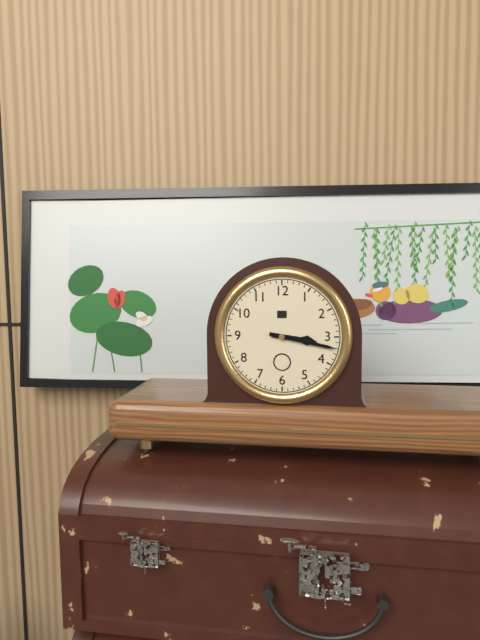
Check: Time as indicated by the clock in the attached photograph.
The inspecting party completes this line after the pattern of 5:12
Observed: 3:17
